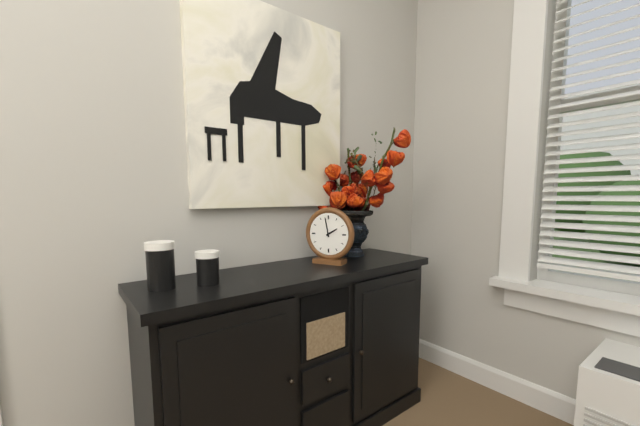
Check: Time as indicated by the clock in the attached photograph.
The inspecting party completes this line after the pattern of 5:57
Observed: 1:58
